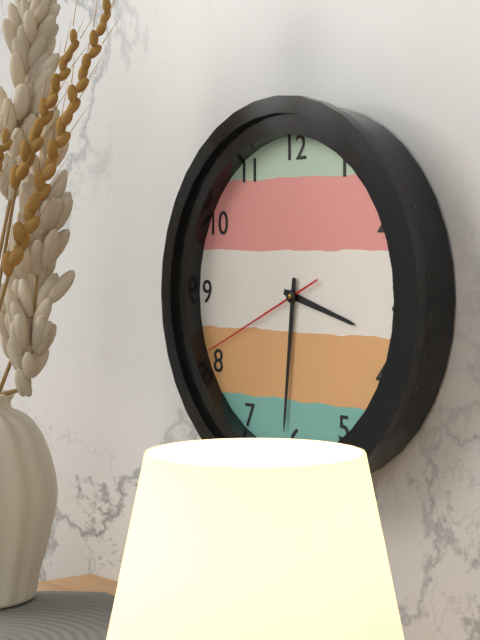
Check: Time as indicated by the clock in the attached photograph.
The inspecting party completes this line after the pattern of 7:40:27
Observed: 3:31:41
